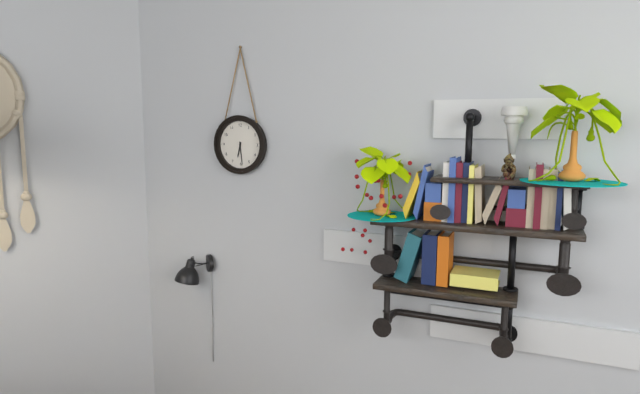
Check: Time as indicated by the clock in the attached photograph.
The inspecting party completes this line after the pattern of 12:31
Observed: 6:29
